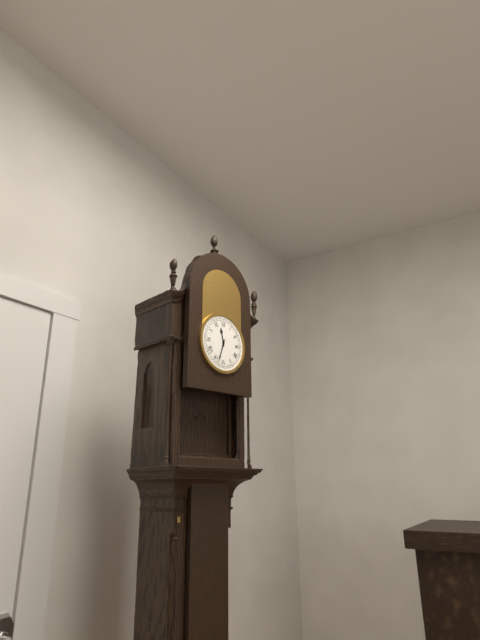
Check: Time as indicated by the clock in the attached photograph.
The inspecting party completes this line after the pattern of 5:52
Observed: 11:33
